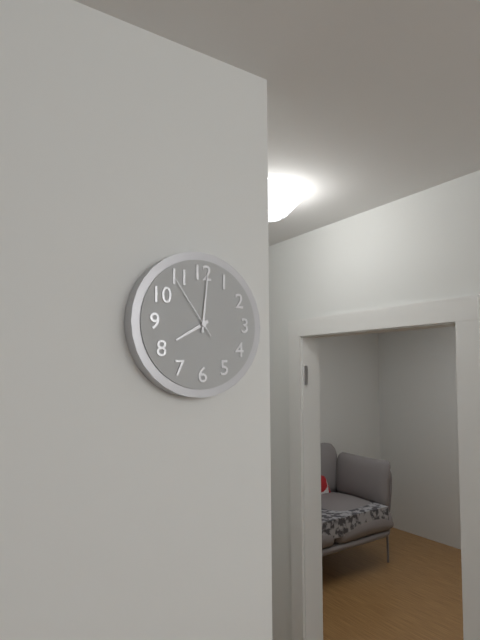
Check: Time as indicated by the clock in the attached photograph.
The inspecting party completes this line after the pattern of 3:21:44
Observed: 8:01:54
